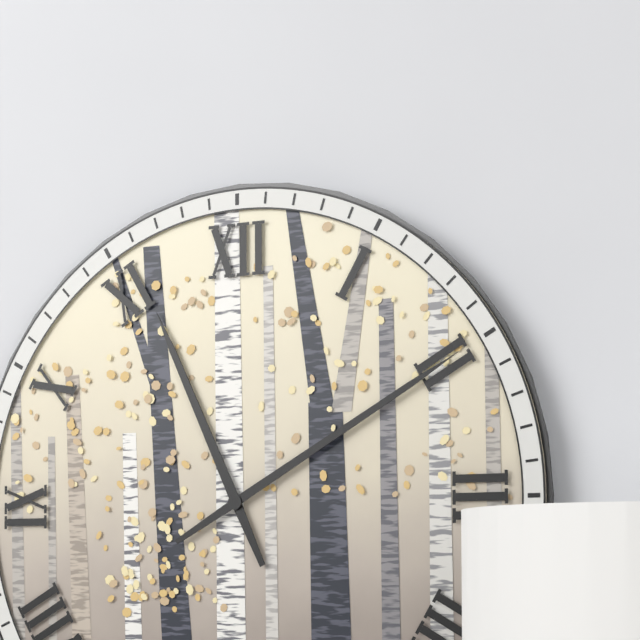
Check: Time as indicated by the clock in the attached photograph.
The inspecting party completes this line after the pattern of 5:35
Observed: 11:10
